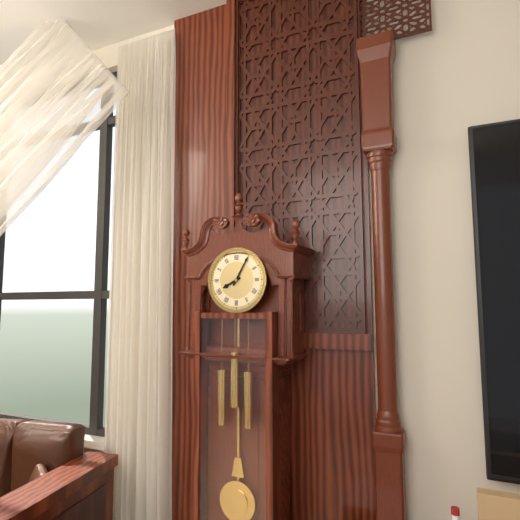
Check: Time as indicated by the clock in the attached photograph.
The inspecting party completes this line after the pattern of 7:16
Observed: 8:05
